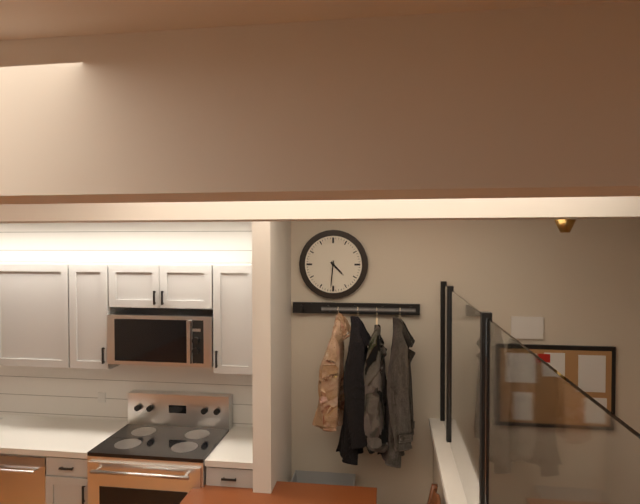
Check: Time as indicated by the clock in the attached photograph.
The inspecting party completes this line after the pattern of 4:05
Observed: 4:31
